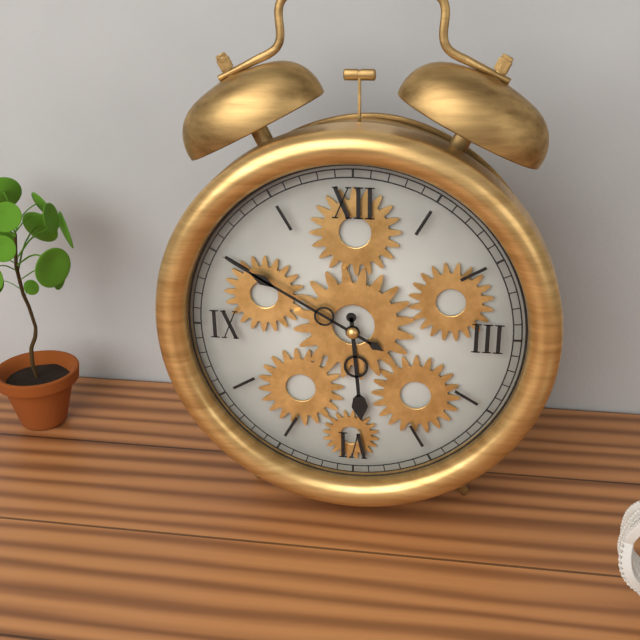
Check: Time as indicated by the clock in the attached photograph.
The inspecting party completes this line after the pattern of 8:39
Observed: 5:50
